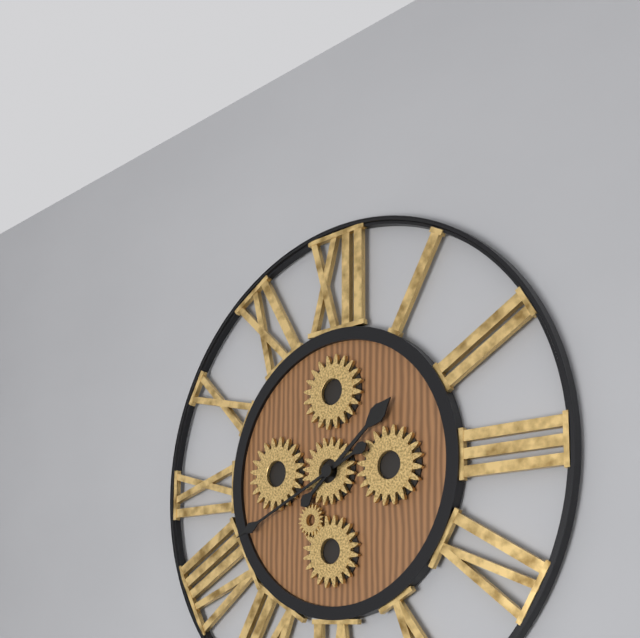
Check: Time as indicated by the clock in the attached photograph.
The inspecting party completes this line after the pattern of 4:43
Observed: 1:41
